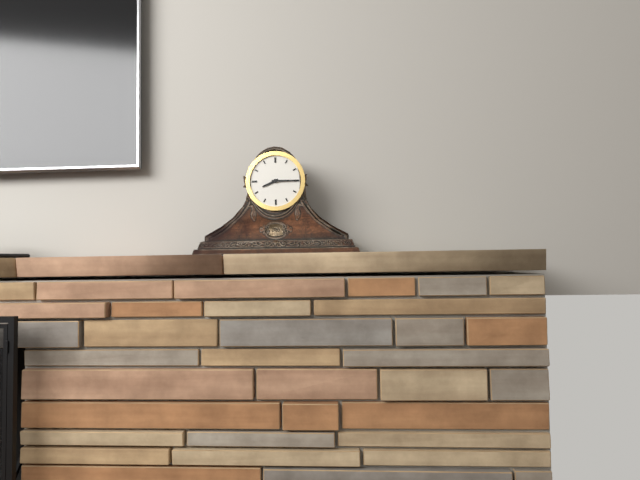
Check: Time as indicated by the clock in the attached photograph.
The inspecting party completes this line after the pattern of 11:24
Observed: 8:15
